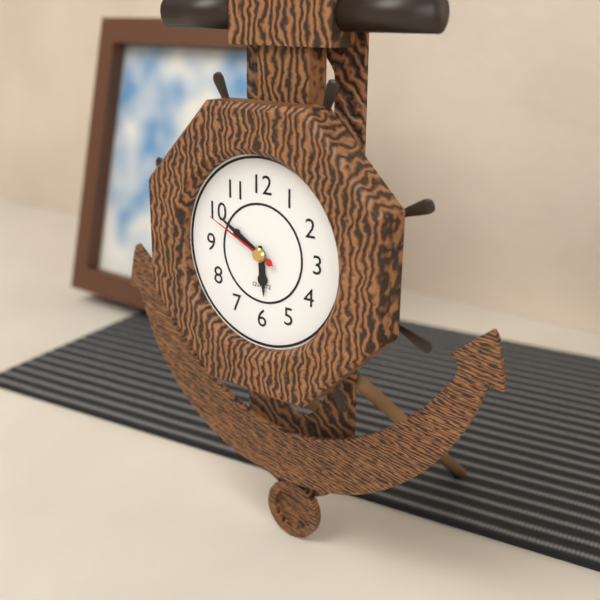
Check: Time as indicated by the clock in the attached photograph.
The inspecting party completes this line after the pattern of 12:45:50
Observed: 5:50:49
